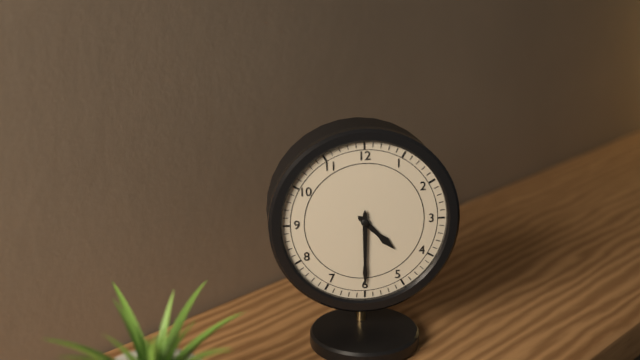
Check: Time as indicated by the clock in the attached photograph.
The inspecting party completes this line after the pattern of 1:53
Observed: 4:30
